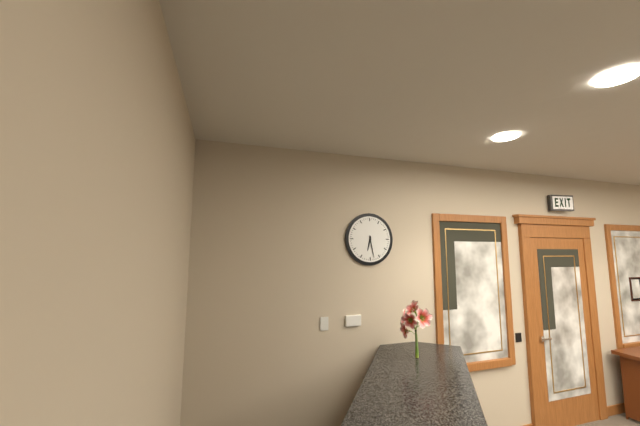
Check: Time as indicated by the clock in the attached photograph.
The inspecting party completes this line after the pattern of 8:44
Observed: 6:28
